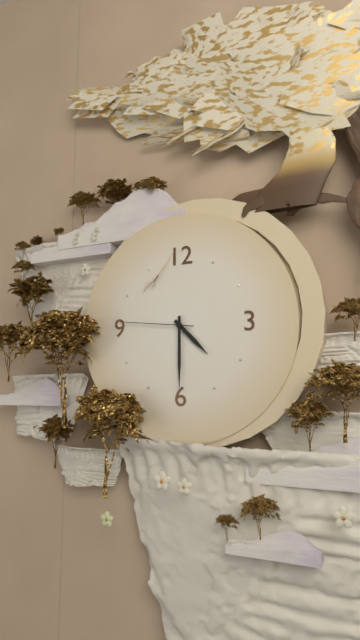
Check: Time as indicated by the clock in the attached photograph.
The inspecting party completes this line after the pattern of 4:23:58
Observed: 4:30:46
